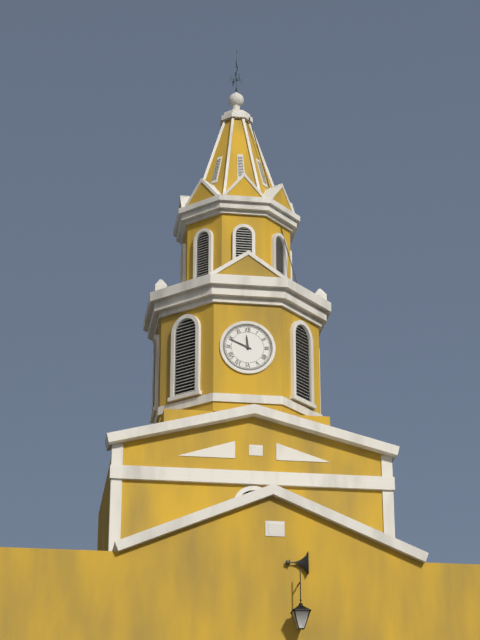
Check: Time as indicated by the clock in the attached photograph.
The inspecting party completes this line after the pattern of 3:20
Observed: 11:49
